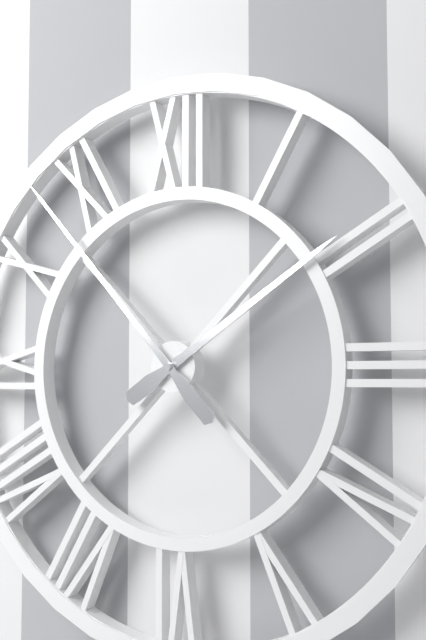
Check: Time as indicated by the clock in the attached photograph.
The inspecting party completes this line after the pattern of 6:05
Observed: 1:53
